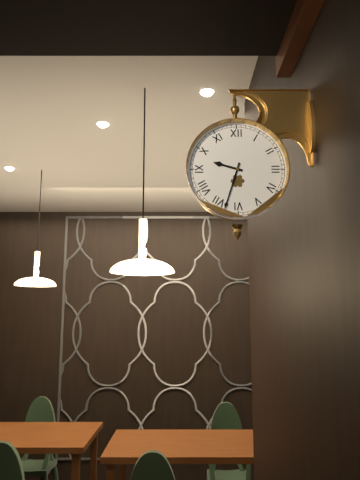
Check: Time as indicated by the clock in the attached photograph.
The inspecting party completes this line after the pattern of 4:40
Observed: 9:33
